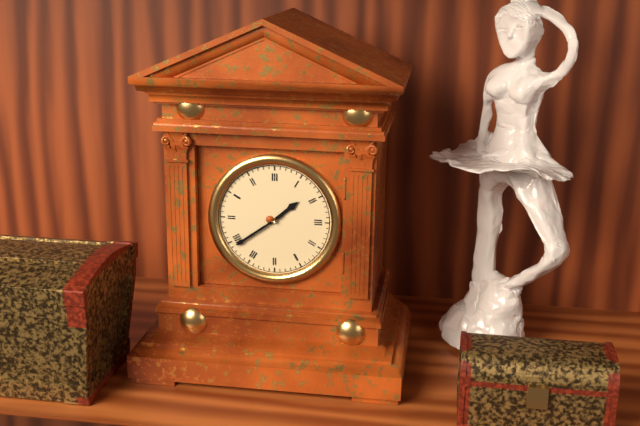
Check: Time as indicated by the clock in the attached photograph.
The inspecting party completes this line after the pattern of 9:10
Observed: 1:39
